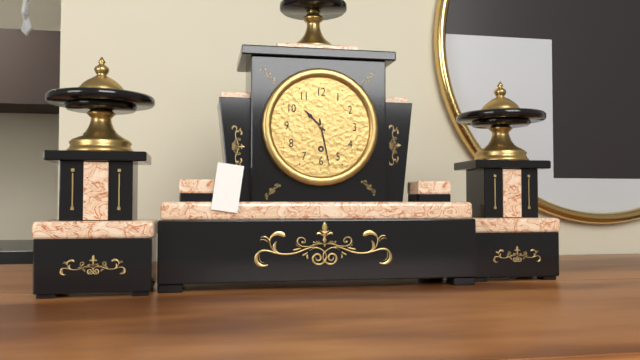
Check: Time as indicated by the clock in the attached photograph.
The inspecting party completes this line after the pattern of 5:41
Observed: 10:28
